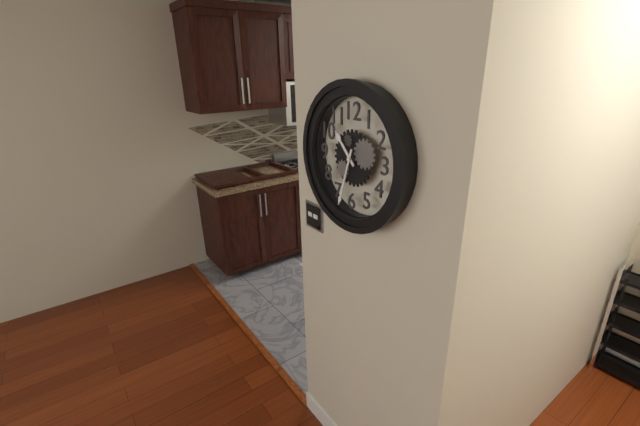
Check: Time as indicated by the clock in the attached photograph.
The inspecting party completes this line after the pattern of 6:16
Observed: 10:33
